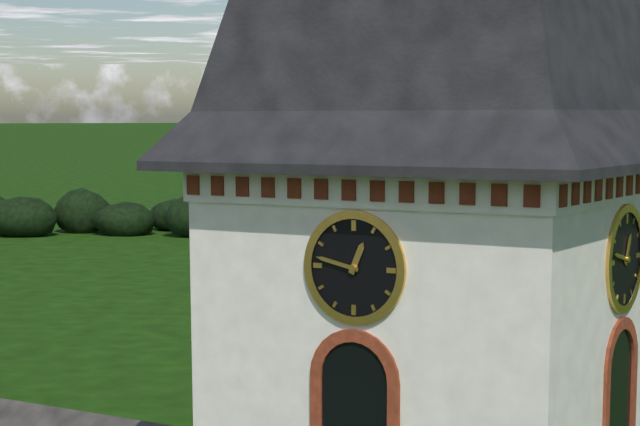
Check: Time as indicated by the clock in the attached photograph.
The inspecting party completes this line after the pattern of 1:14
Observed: 12:47
